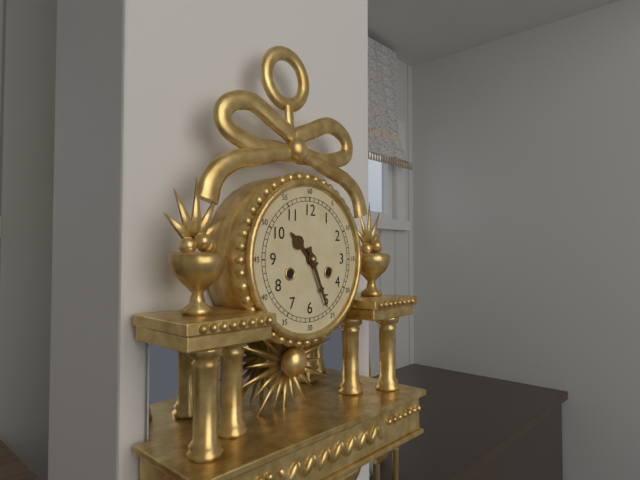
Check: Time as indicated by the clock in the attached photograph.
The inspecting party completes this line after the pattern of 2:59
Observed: 10:26
